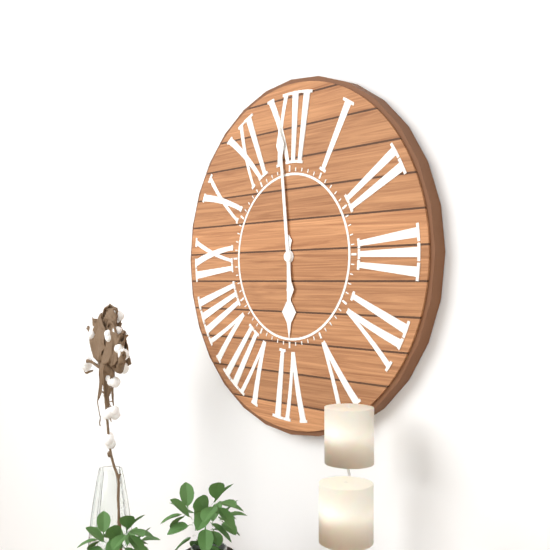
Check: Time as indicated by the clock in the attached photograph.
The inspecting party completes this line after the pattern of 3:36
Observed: 5:59
